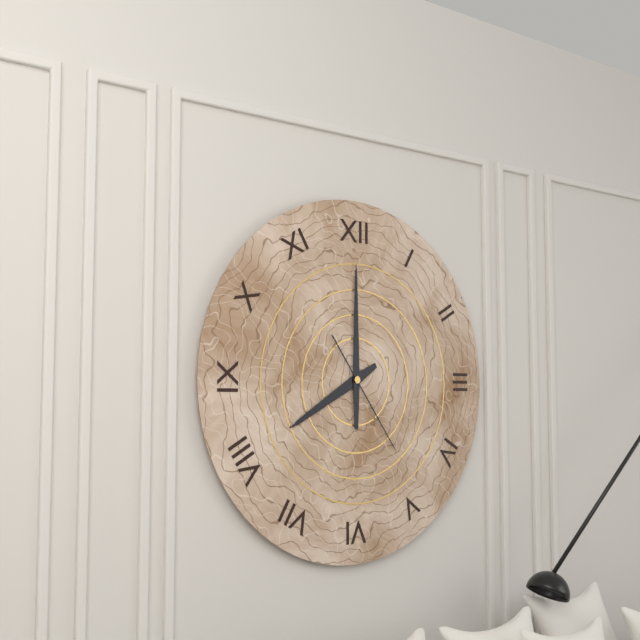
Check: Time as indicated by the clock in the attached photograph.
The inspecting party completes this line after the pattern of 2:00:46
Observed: 8:00:24
